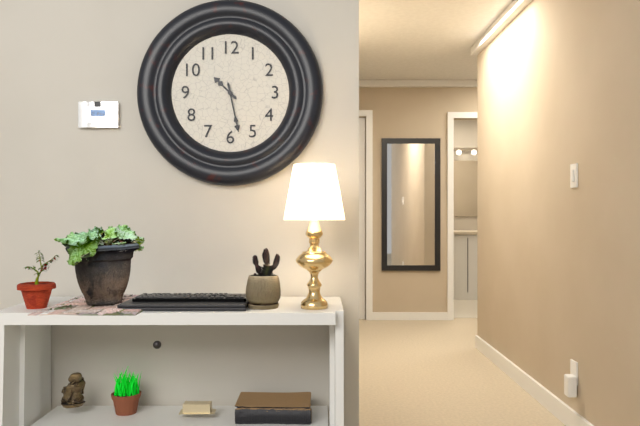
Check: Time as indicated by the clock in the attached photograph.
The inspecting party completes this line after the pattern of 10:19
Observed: 10:28
